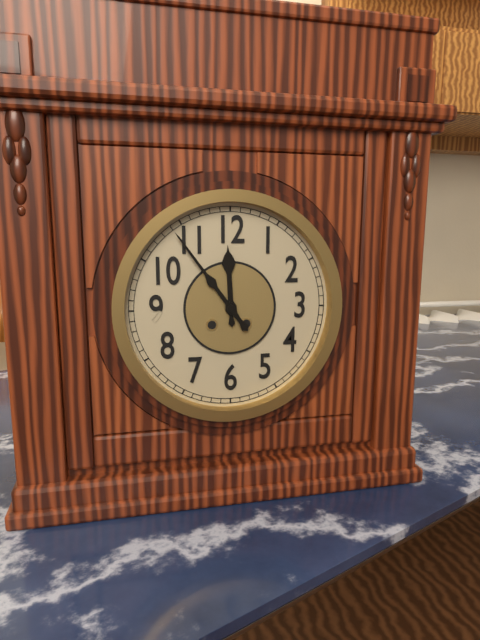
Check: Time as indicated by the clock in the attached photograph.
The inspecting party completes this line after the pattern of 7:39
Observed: 11:54
